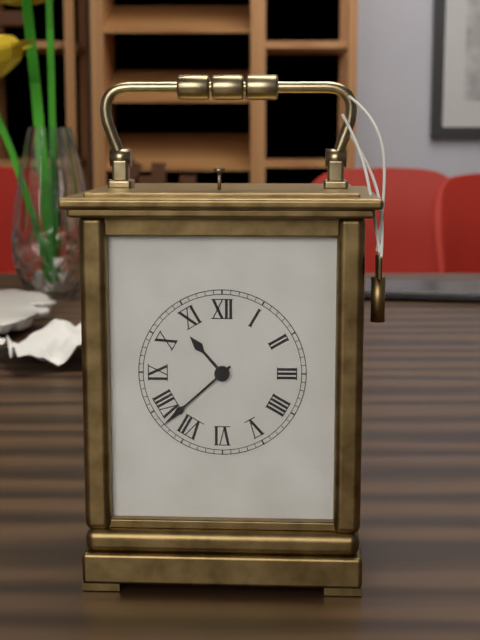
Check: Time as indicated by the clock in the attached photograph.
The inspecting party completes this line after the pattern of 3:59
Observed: 10:38
